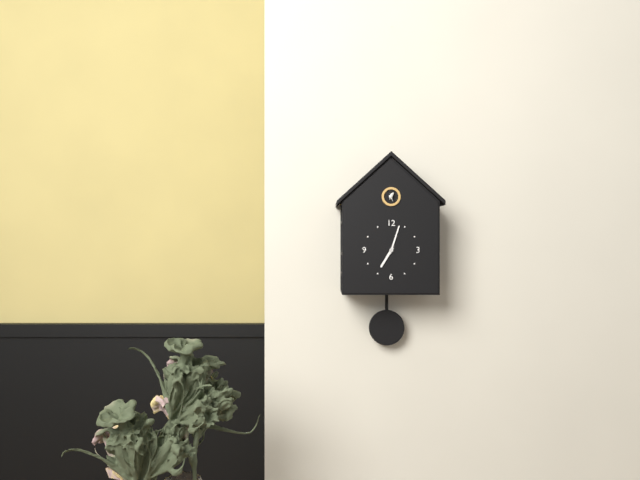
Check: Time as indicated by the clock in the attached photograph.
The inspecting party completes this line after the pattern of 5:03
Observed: 7:03
